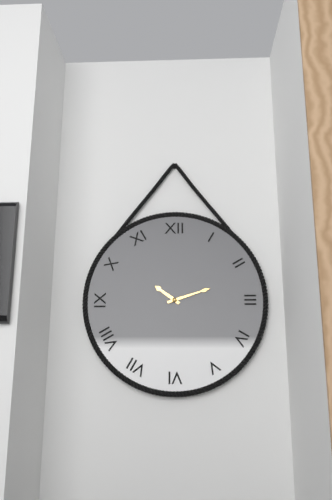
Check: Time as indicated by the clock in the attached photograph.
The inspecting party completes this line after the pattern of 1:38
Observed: 10:12
